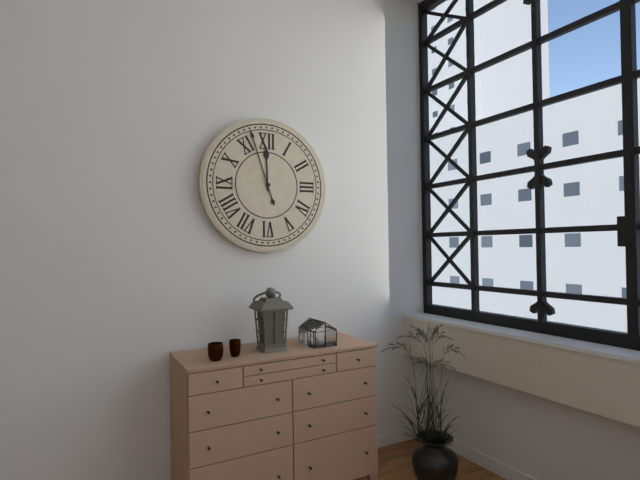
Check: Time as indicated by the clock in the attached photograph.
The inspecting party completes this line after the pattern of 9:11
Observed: 11:57
